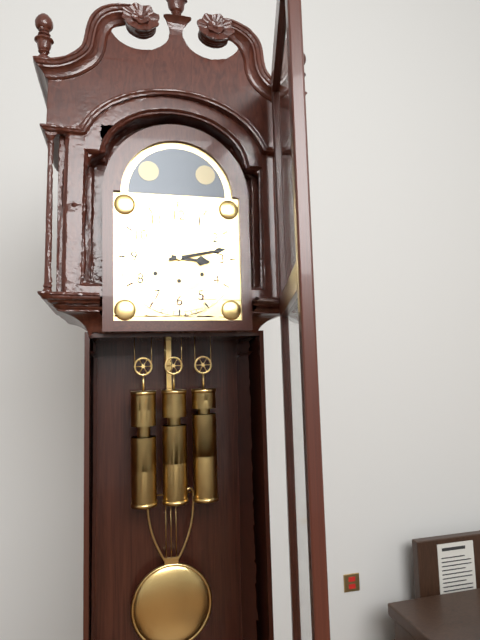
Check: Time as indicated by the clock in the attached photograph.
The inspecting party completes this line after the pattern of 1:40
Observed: 3:13
